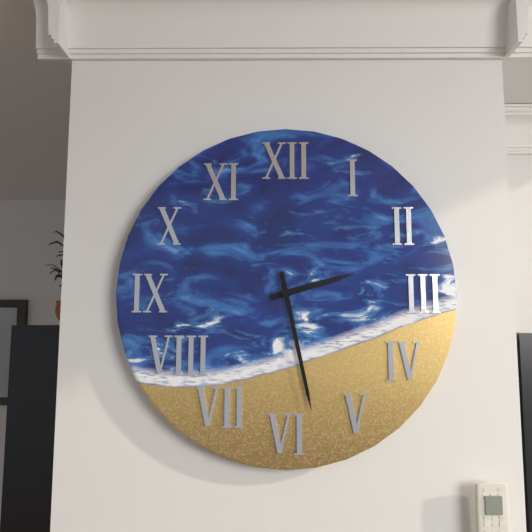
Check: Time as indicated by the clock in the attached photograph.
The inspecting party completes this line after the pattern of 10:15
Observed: 2:28
